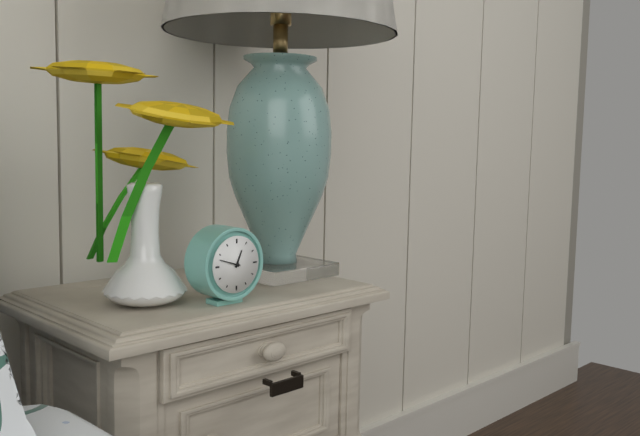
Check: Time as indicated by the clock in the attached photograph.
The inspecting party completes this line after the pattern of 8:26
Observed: 12:48
